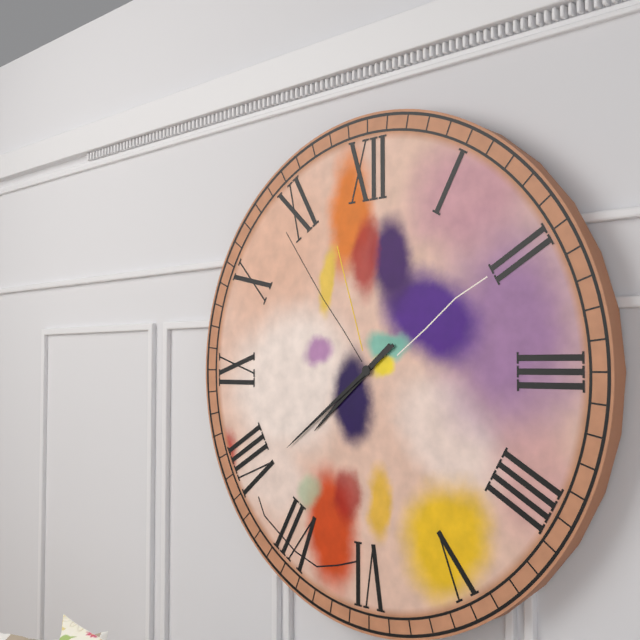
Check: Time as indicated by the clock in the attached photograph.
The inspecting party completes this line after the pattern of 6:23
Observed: 7:39
